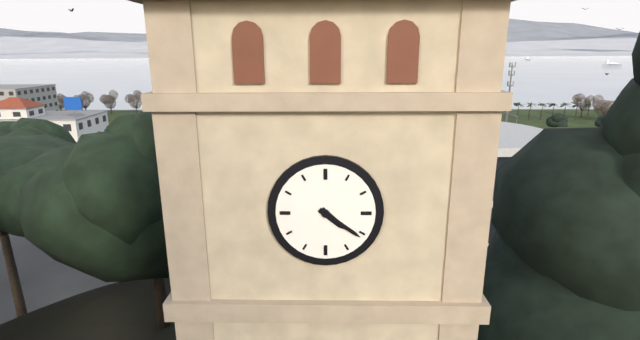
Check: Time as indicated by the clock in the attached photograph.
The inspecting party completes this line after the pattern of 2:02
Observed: 4:21
